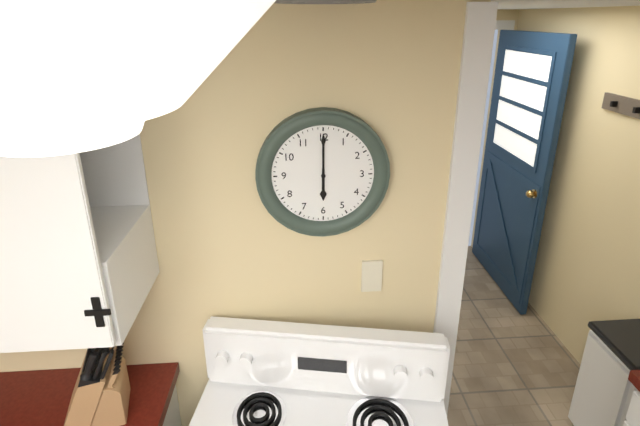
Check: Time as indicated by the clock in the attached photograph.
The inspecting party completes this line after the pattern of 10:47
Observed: 6:00
